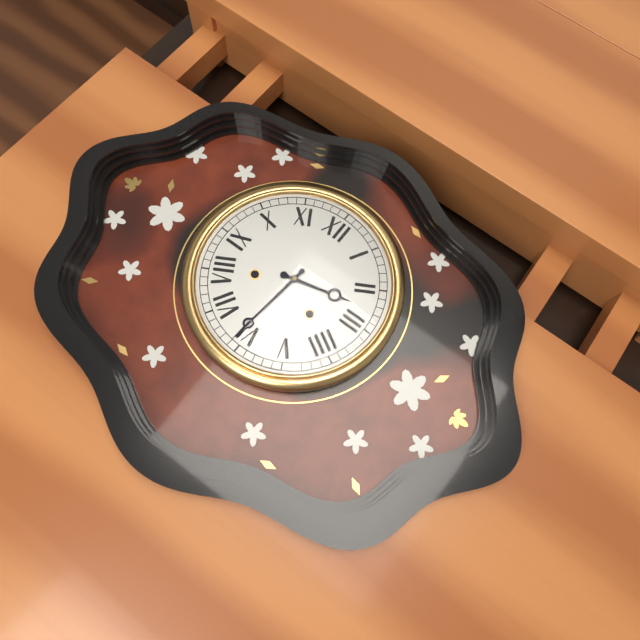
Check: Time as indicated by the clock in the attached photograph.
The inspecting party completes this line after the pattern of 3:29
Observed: 2:31
